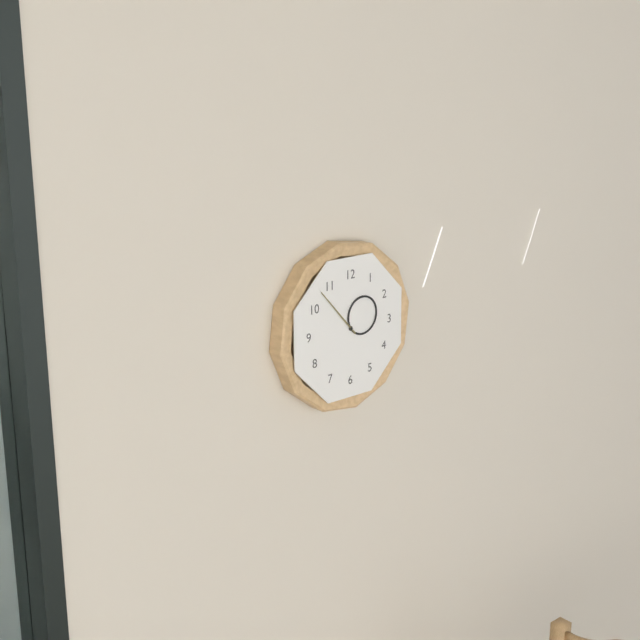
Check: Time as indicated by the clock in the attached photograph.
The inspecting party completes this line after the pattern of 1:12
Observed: 1:53
